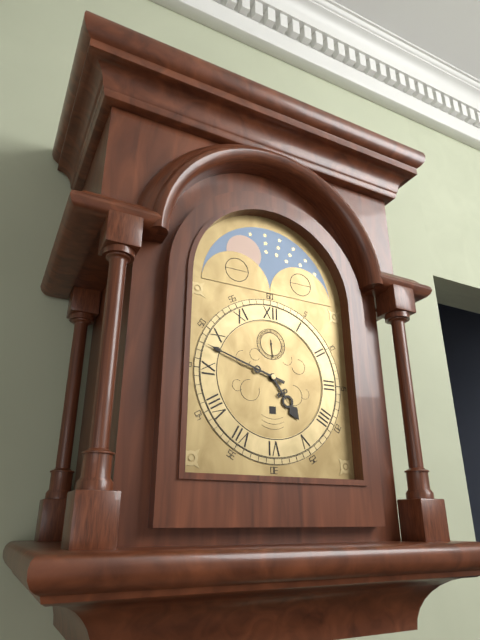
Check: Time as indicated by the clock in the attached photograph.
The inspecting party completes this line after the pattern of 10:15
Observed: 4:48
